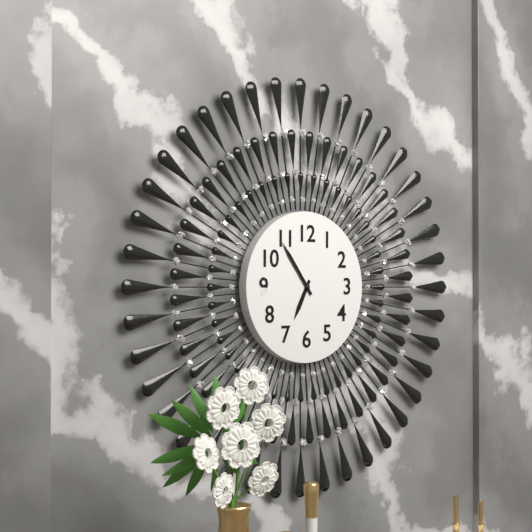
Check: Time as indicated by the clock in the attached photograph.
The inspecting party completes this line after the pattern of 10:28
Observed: 6:54
